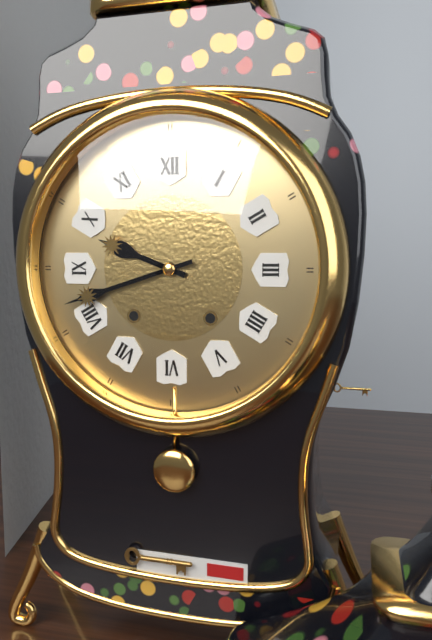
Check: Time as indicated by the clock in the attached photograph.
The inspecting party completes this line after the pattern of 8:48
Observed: 9:42
